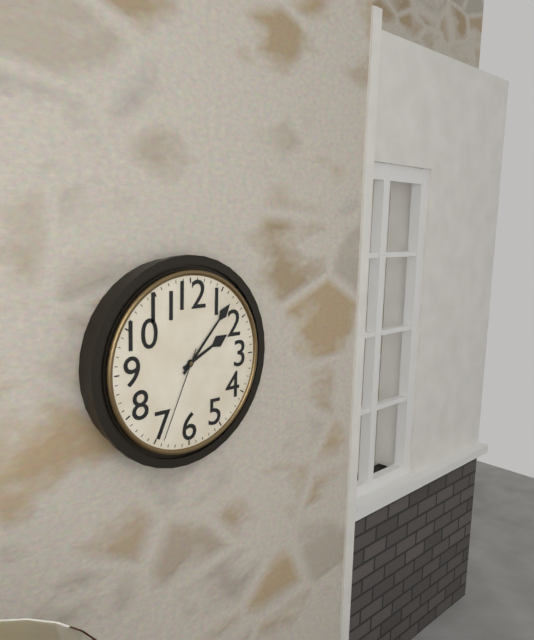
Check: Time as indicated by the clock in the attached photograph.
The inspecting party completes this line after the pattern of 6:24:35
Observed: 2:07:34
